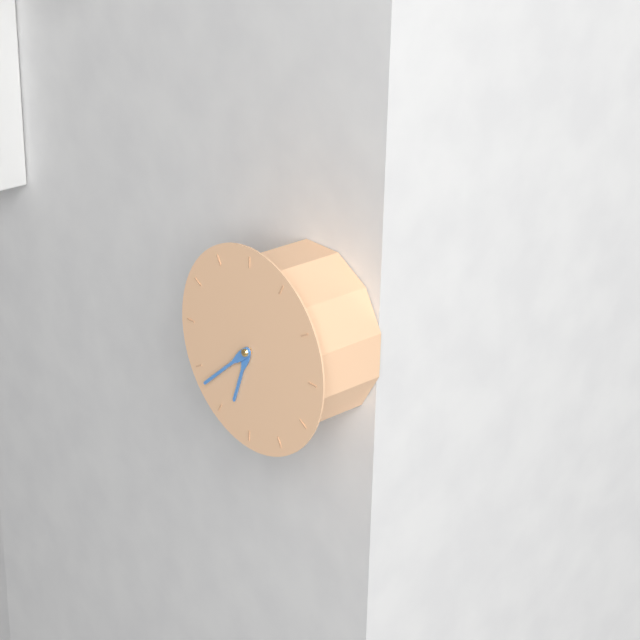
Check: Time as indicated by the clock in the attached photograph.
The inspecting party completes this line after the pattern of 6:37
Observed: 6:38
